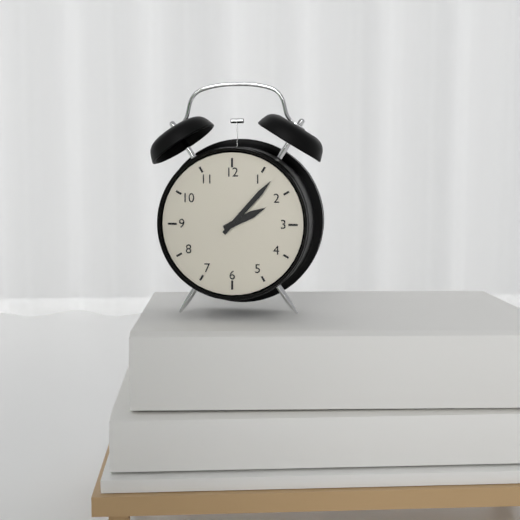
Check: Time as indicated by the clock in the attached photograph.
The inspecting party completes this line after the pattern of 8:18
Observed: 2:07
